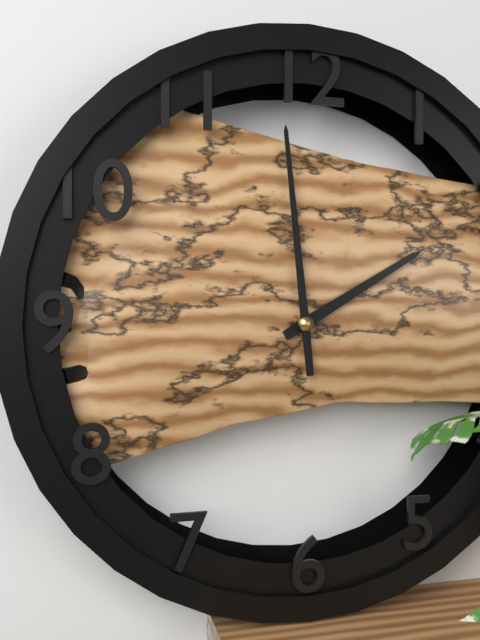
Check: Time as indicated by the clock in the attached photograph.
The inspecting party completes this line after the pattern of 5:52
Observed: 1:59
